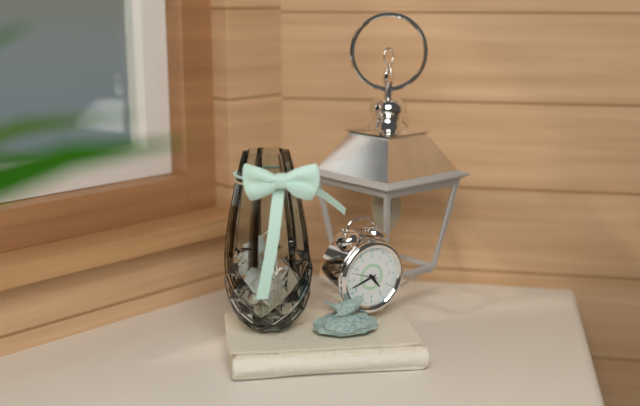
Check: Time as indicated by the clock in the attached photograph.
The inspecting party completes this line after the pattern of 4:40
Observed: 4:42
